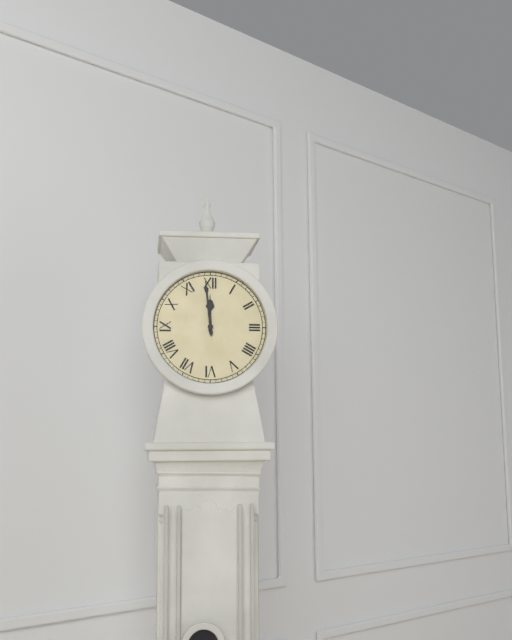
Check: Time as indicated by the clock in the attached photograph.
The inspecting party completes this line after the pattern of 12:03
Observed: 11:59
